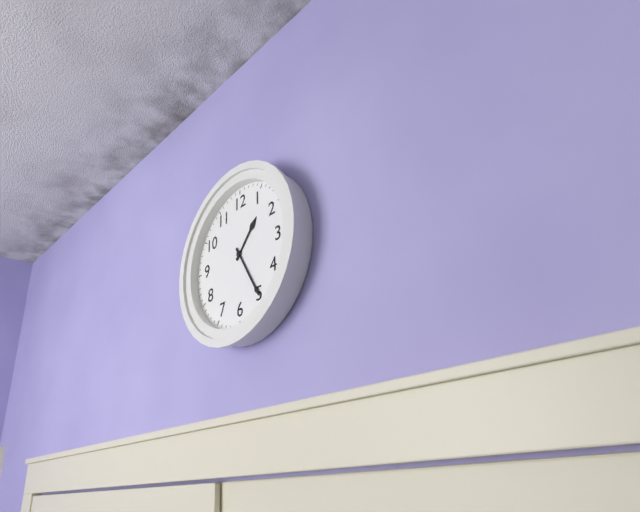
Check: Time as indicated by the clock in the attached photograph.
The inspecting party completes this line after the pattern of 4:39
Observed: 1:25
